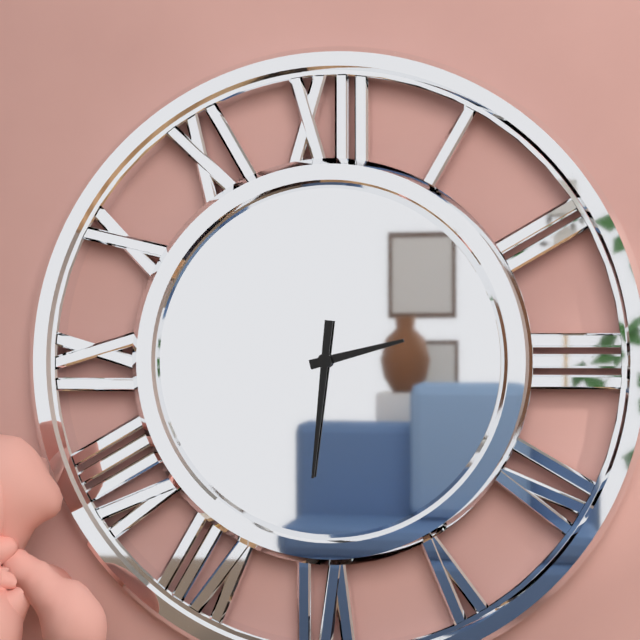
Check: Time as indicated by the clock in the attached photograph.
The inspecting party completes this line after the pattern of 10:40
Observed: 2:31
